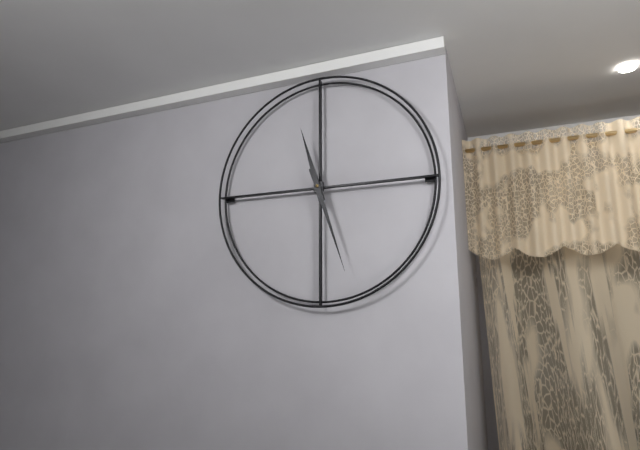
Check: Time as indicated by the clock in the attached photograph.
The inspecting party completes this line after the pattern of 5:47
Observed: 11:27
